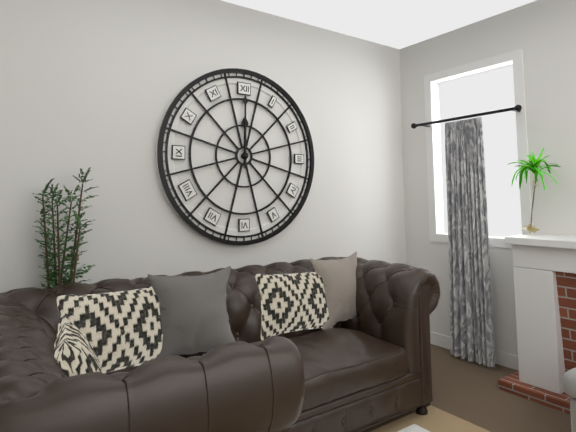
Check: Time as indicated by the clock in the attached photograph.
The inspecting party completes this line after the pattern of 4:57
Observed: 12:00
